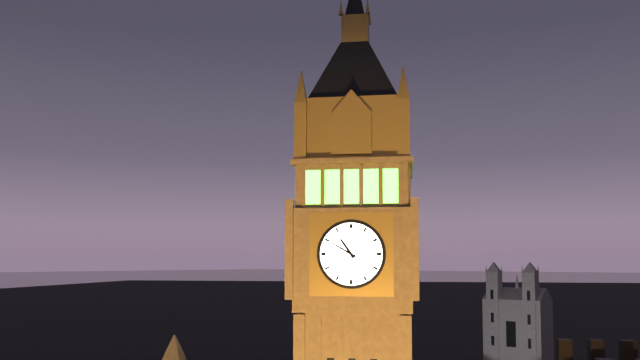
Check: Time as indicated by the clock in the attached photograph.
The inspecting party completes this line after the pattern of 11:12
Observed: 10:50
